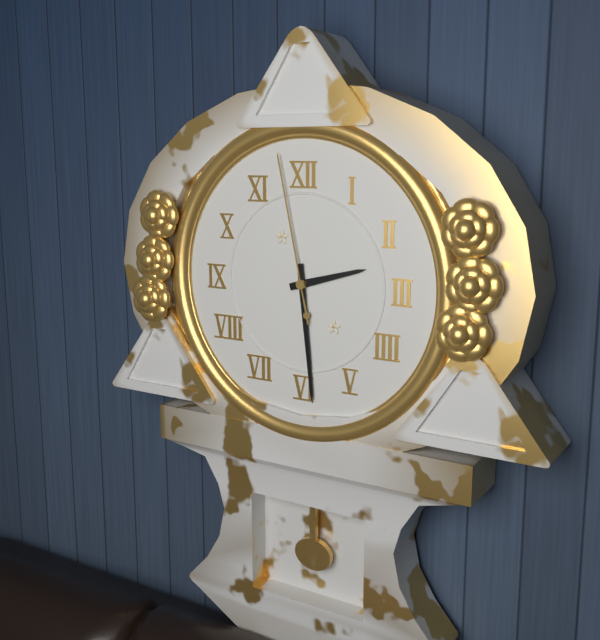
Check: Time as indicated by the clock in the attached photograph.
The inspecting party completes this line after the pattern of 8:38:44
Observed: 2:29:58
